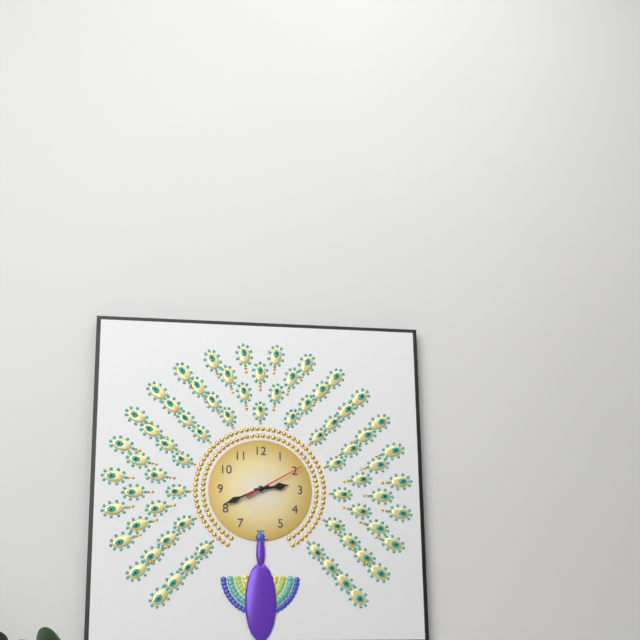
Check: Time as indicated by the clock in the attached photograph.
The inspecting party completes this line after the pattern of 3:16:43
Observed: 2:41:10
